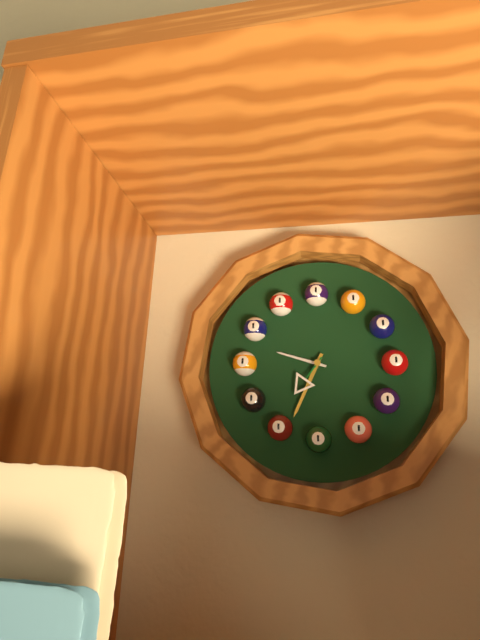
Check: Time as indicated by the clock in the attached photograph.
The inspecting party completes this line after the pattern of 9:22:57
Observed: 9:34:36
